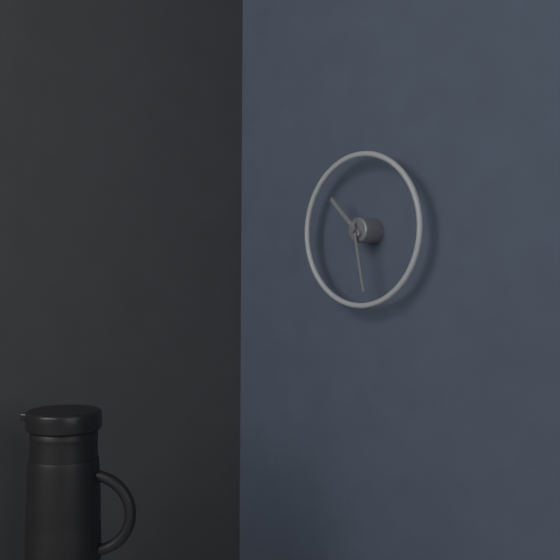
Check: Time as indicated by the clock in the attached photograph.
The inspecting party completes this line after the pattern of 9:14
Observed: 10:28
